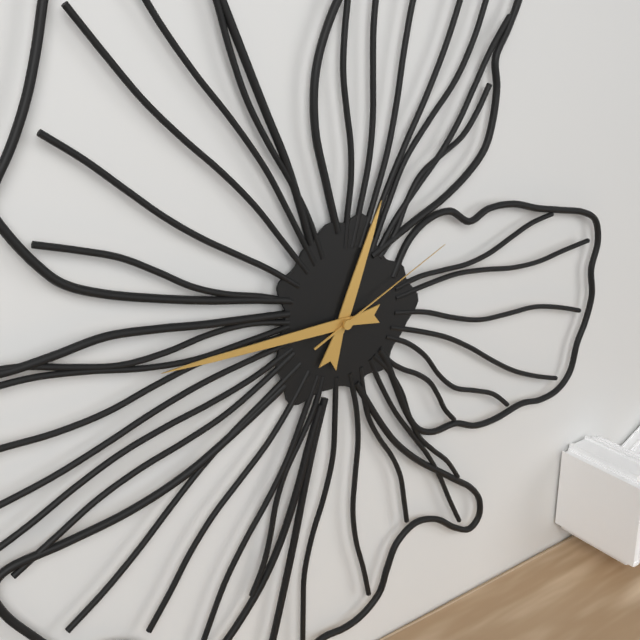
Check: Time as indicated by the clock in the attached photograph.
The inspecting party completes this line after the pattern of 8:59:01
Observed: 12:45:11
